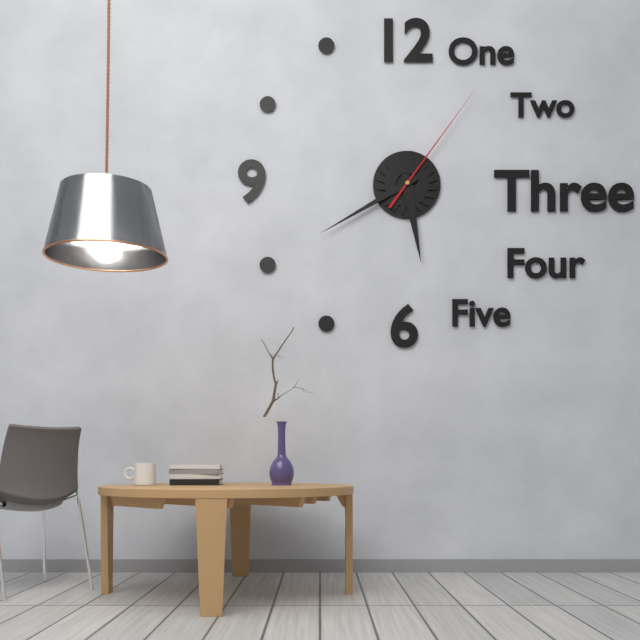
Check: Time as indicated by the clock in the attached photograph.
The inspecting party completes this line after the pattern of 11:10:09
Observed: 5:40:06
